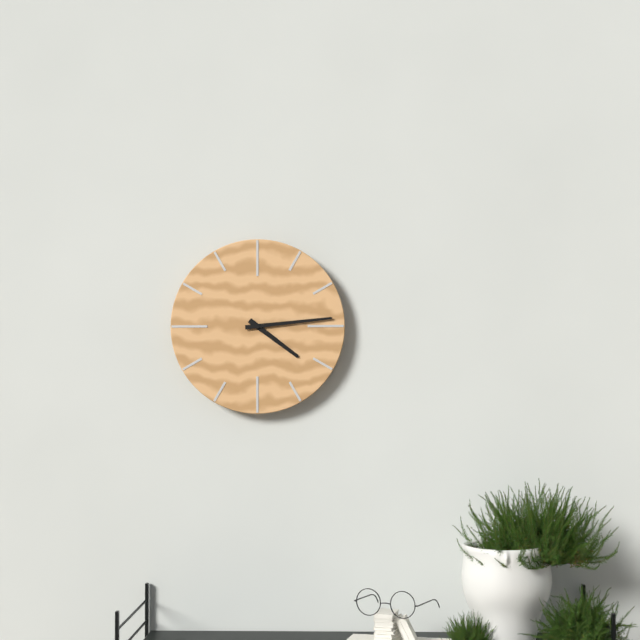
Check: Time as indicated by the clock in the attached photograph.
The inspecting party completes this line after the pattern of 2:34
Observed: 4:14
